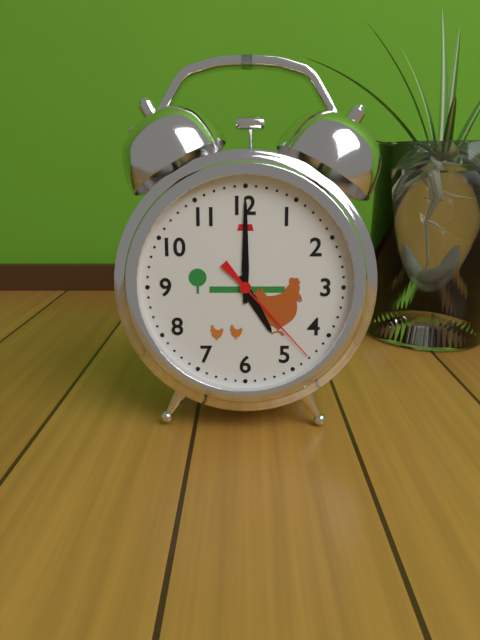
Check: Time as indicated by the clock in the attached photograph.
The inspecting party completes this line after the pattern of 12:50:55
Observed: 5:00:23
